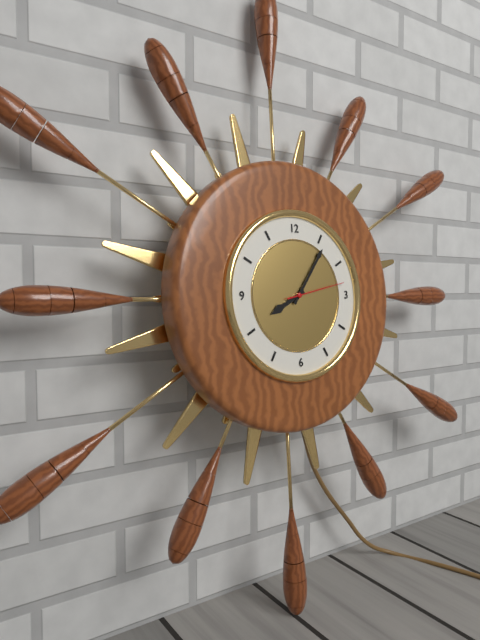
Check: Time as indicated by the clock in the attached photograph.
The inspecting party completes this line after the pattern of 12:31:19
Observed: 8:06:13
